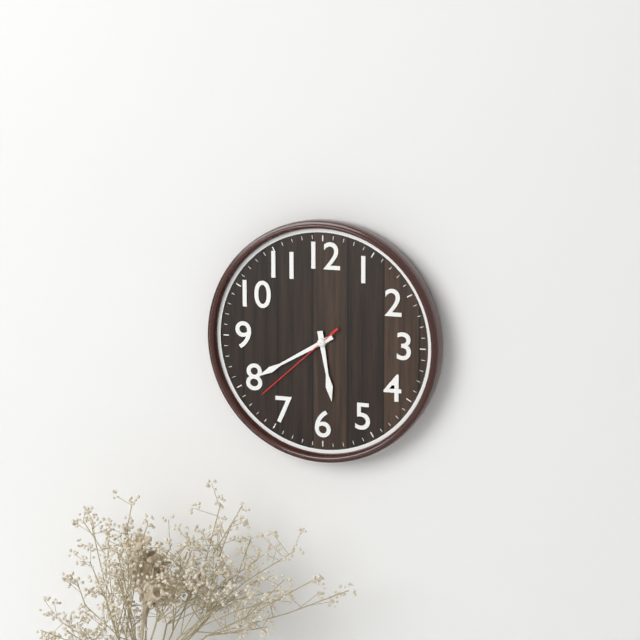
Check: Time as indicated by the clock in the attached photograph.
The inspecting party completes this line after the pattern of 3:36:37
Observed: 5:40:38
